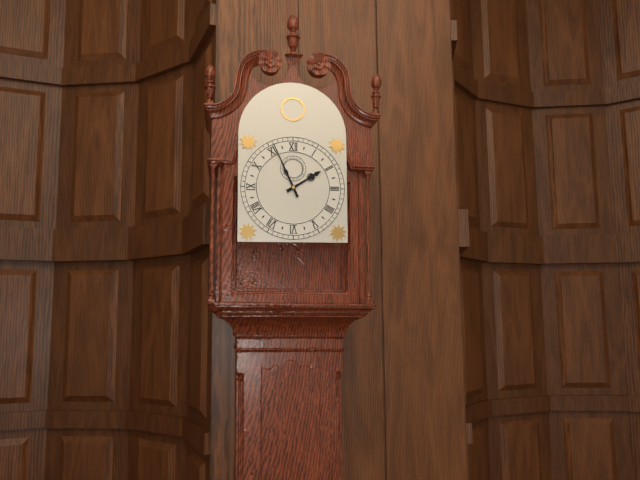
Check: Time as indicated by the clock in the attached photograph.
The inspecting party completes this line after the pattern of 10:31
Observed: 1:56
